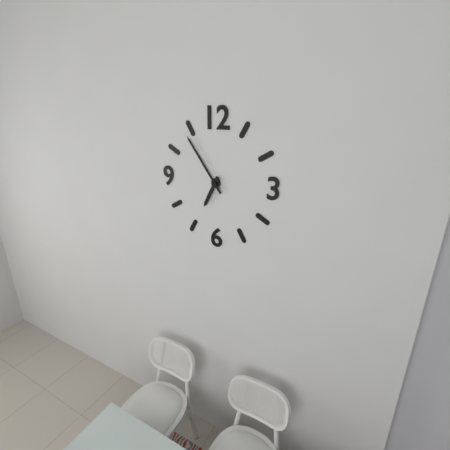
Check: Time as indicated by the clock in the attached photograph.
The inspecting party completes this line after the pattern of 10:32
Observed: 6:54
